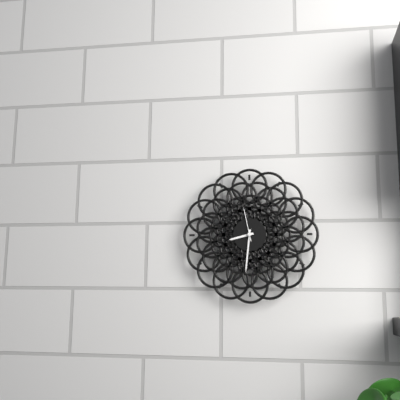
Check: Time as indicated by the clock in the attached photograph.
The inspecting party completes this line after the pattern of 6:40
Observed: 8:31
